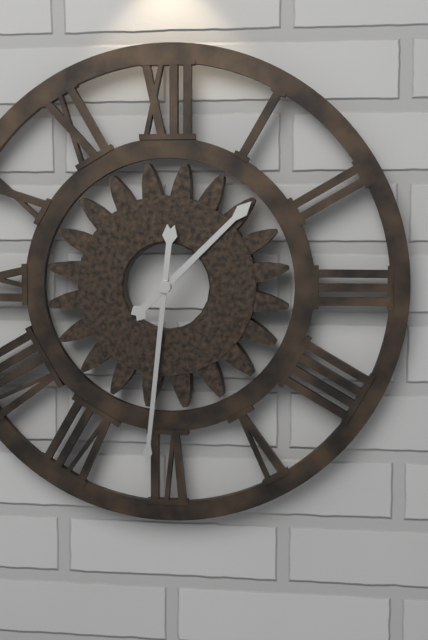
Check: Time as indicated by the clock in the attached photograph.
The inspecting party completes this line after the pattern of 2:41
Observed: 1:31
